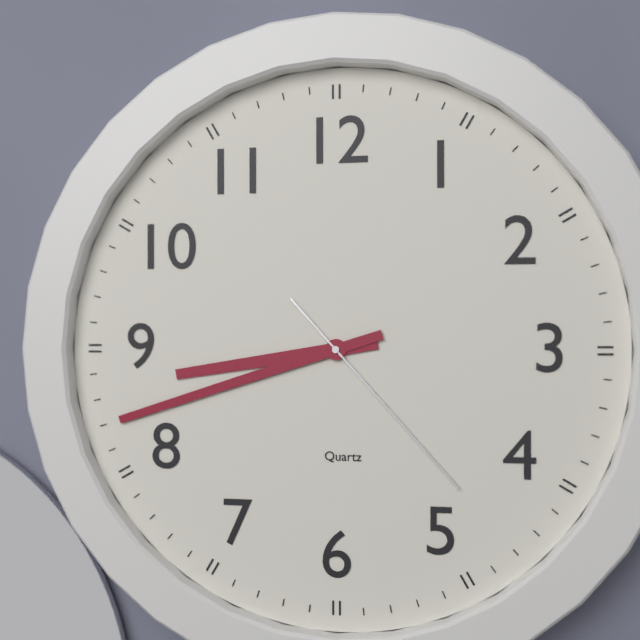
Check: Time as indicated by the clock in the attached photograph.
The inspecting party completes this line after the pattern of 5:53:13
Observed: 8:42:23
